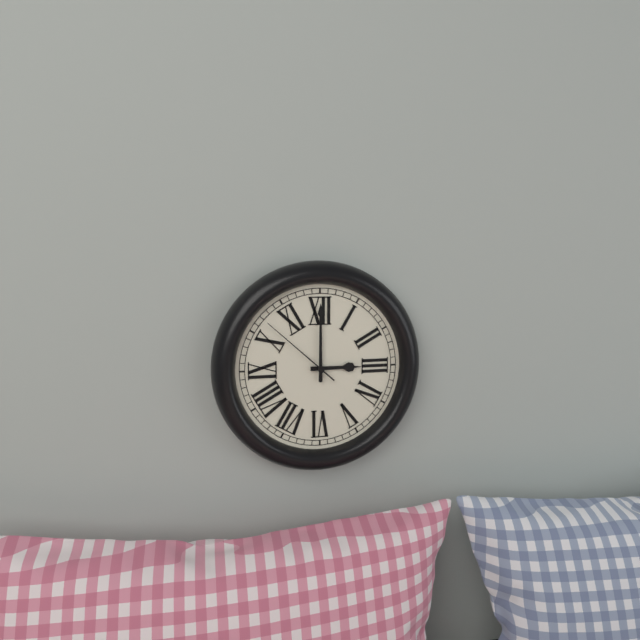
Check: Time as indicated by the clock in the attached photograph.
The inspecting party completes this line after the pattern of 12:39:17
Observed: 3:00:52
